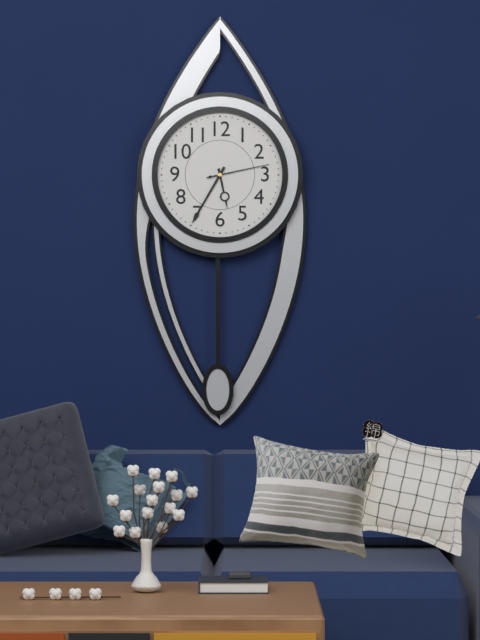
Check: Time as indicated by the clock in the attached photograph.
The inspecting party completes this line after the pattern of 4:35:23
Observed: 5:35:13
